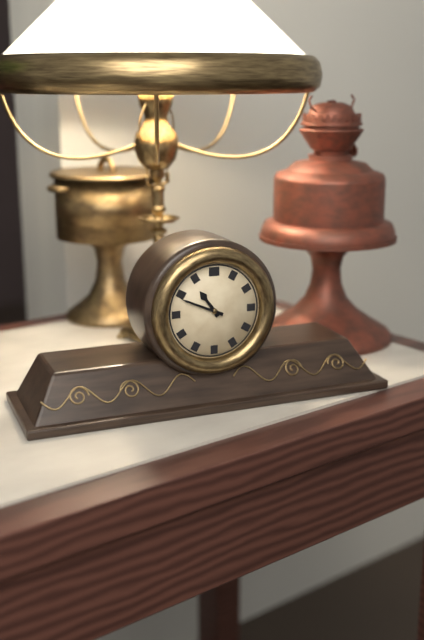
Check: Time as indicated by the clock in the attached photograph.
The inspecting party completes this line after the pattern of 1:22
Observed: 10:49
